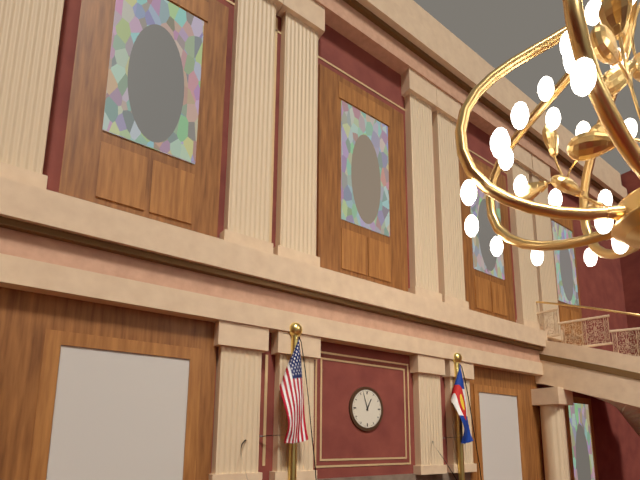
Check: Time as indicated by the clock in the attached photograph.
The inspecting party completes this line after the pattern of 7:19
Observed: 12:57
